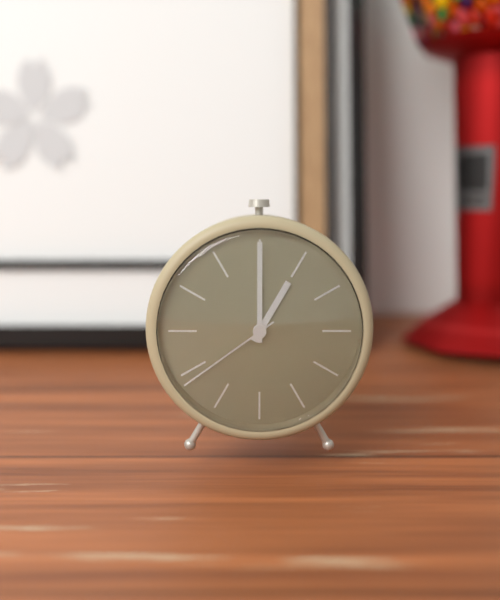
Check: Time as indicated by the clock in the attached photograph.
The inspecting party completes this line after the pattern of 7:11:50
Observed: 1:00:39
